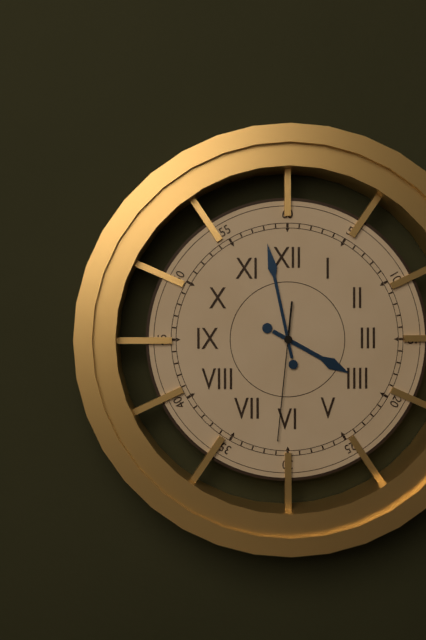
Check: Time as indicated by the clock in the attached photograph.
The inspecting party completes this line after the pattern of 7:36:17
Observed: 3:58:31
